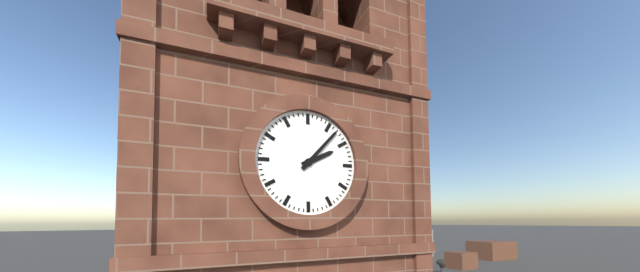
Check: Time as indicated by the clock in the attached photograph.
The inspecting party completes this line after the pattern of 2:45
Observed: 2:07
